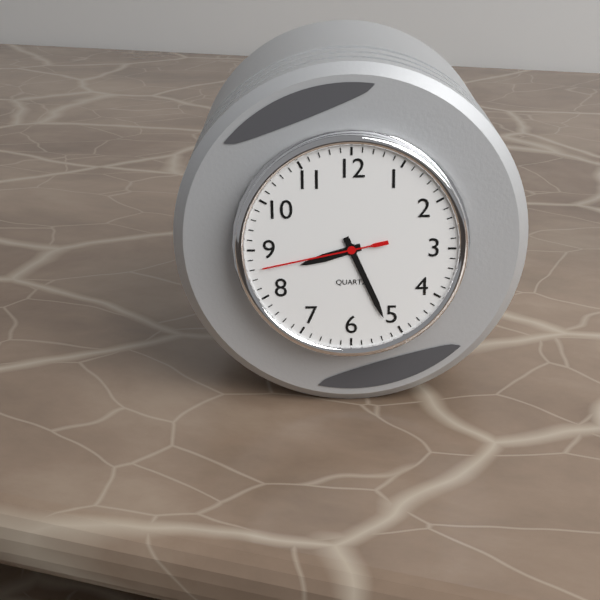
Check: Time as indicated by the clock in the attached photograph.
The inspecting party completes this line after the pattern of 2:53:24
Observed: 8:26:43
